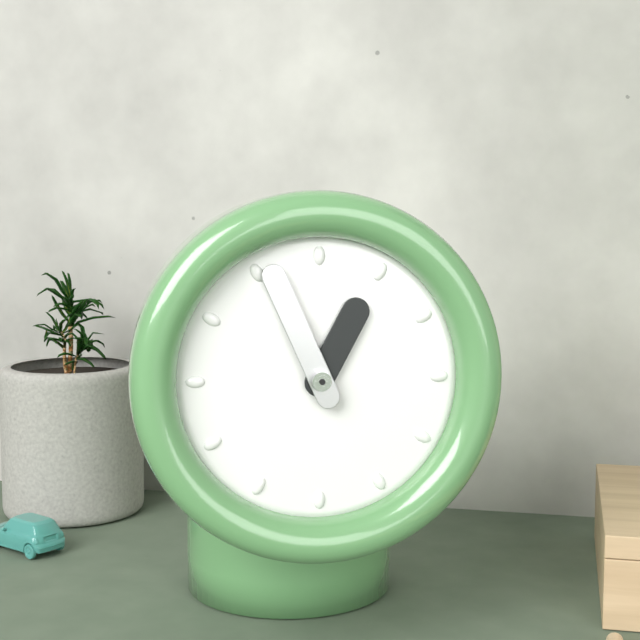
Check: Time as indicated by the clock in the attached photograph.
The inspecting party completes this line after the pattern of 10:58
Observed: 12:56
